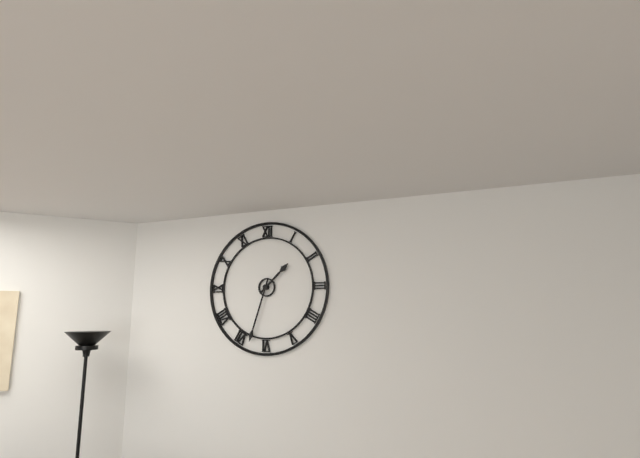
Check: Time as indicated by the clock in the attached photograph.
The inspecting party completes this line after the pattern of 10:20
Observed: 1:33
